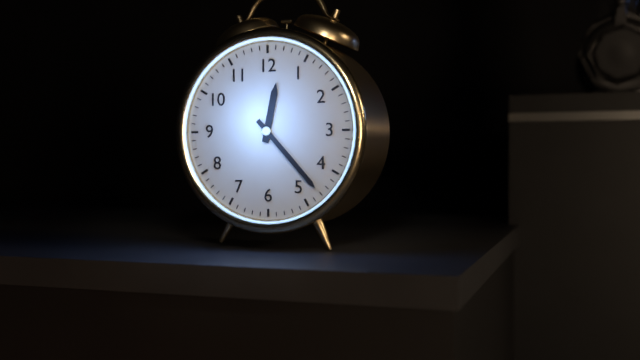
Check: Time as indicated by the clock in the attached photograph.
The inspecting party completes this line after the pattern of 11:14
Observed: 12:23
